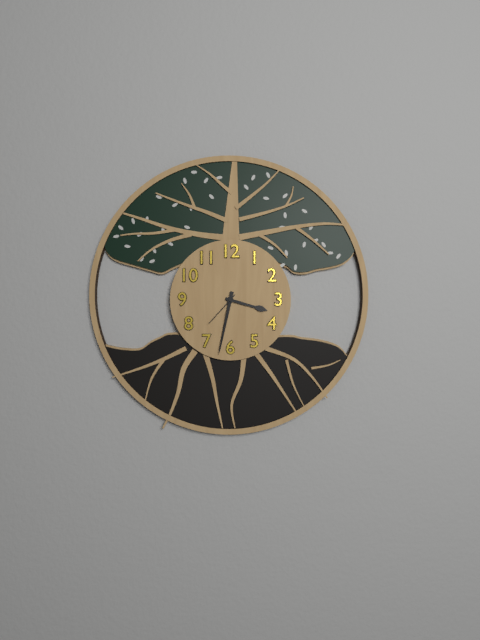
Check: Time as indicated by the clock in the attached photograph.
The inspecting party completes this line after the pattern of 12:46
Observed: 3:32
